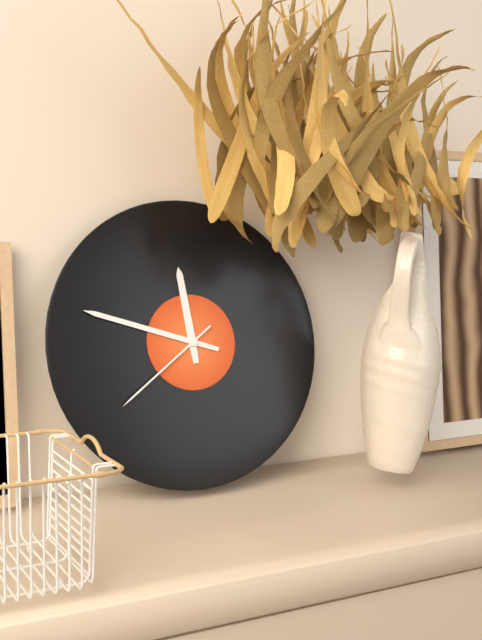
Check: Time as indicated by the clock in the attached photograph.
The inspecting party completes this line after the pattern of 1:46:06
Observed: 11:48:39
